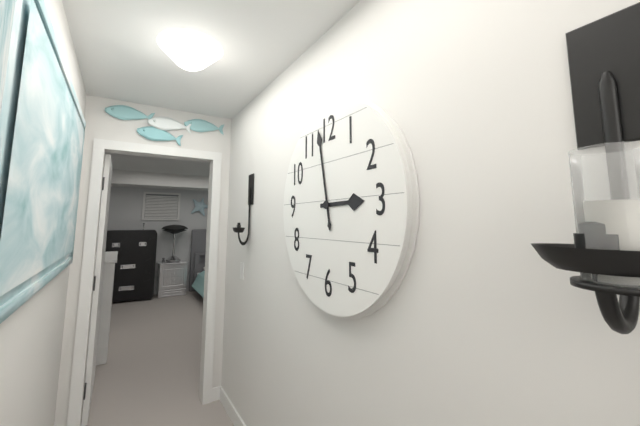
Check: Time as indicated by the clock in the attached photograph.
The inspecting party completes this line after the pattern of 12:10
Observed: 2:58
